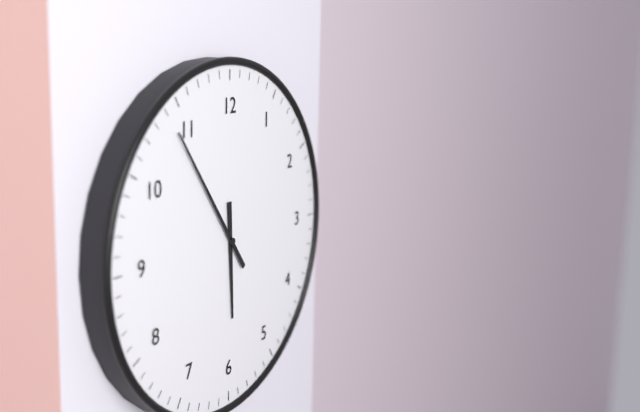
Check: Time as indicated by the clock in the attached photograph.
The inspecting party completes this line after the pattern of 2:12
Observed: 5:54
